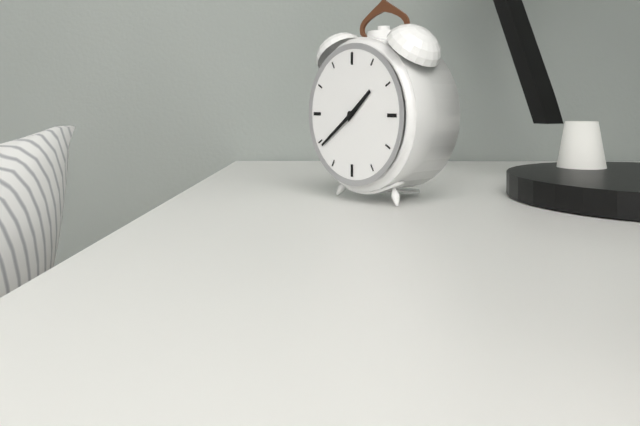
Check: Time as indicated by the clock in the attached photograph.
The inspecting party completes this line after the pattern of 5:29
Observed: 1:39
